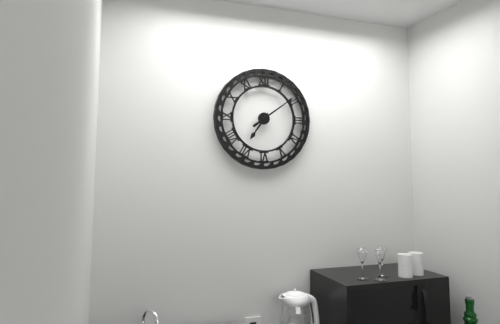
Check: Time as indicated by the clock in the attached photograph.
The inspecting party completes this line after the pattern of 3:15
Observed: 7:09
